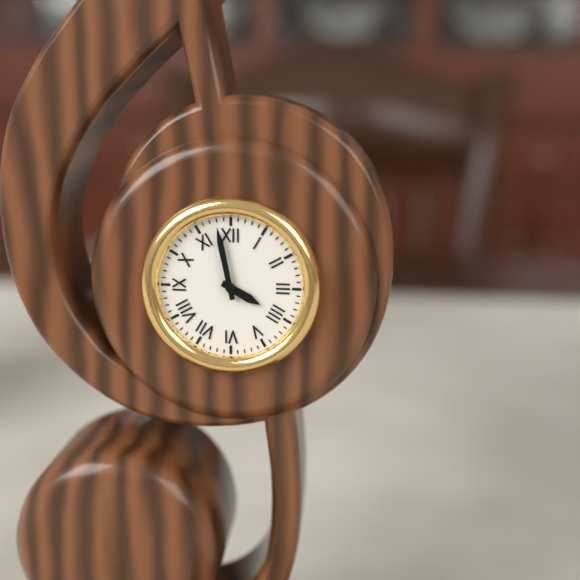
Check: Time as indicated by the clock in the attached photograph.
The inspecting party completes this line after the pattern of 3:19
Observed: 3:58
